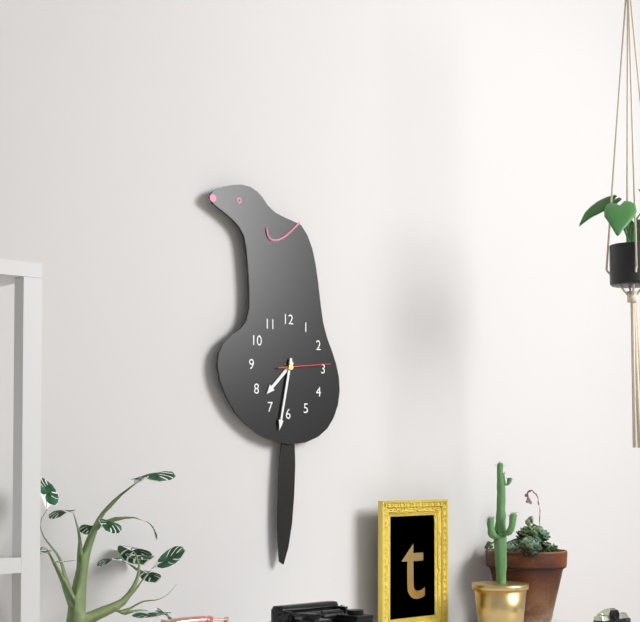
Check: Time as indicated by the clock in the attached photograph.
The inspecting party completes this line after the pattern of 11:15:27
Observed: 7:32:14
